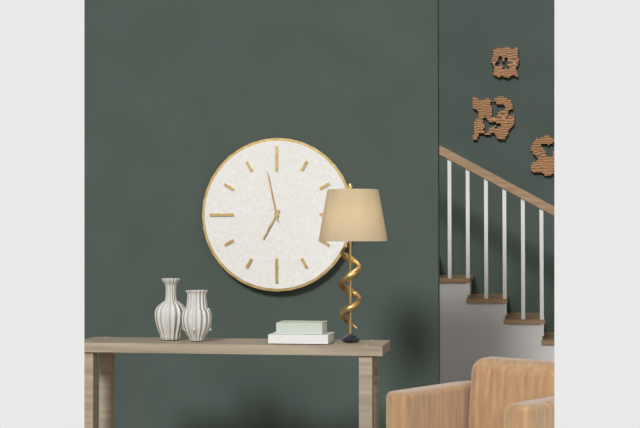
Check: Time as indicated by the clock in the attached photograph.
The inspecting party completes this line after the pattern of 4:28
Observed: 6:58
